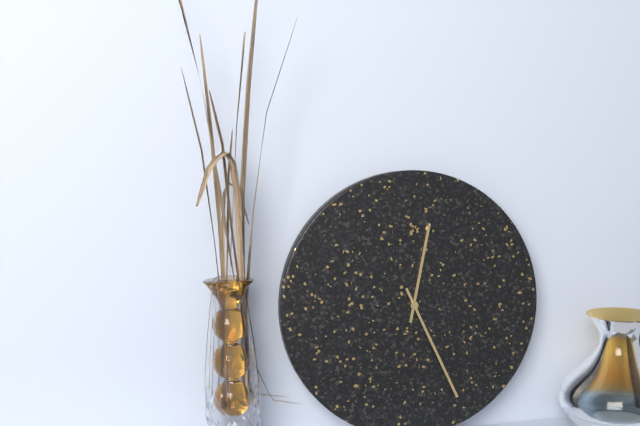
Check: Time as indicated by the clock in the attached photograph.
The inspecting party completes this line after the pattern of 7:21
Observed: 12:26
